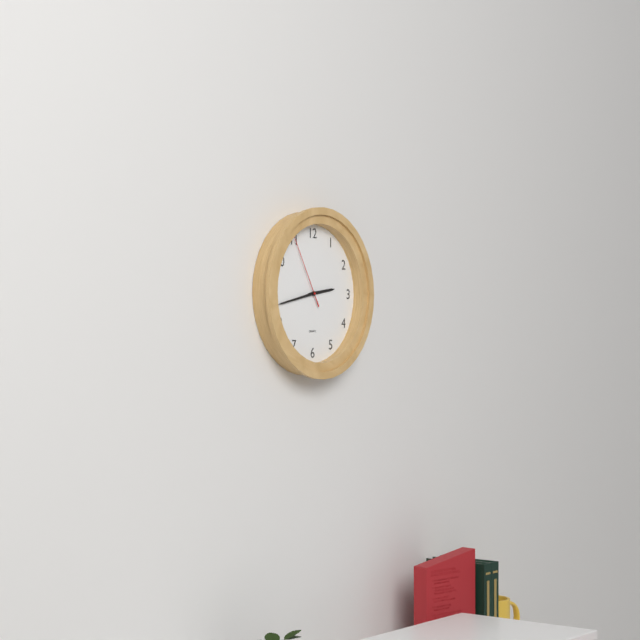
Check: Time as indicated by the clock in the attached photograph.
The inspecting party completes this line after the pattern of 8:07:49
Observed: 2:43:55
